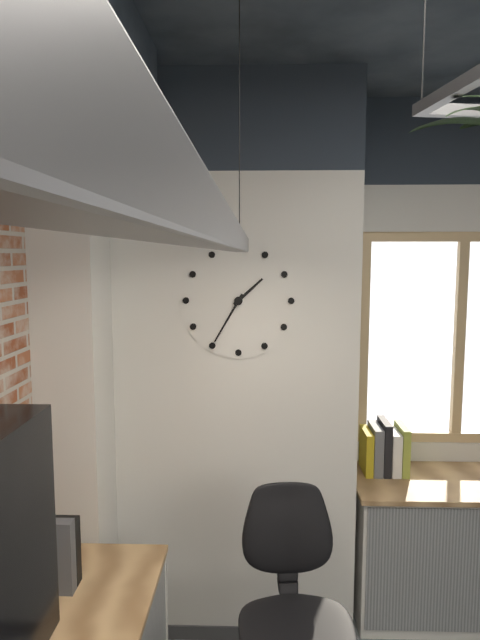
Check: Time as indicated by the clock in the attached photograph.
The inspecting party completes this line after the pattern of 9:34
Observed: 1:35
